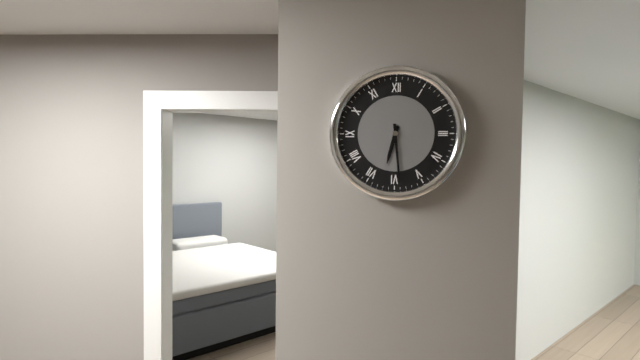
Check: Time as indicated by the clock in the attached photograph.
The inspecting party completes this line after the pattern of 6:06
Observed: 6:29
